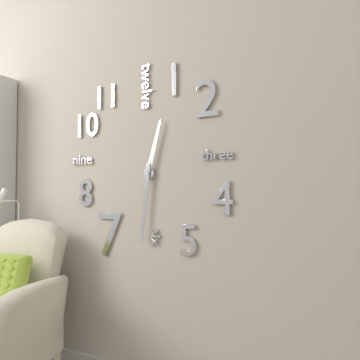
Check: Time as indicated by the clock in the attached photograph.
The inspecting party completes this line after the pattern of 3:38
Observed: 12:31
